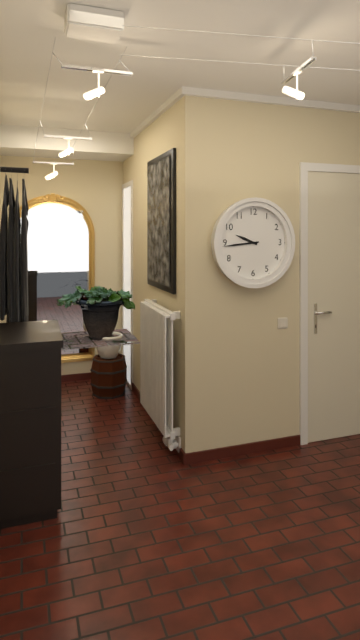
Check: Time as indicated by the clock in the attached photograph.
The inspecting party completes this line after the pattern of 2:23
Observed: 9:44
